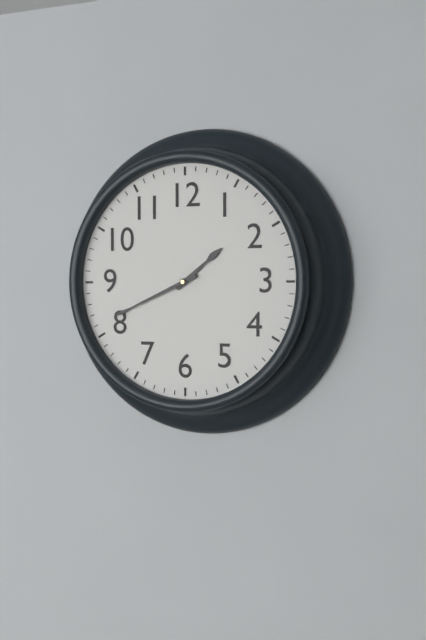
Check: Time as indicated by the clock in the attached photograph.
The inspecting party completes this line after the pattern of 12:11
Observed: 1:41
